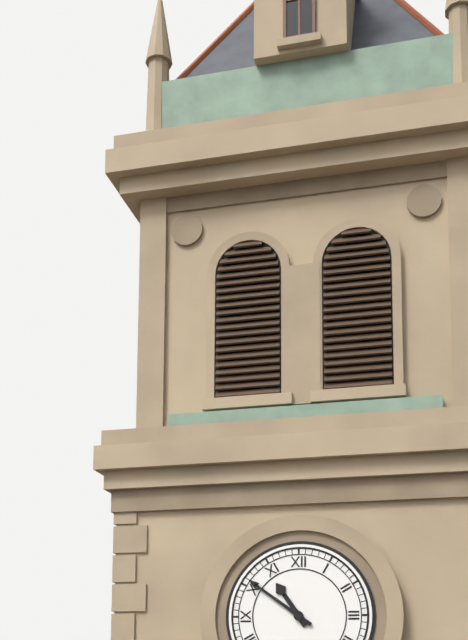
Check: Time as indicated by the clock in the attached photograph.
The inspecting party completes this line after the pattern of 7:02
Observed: 10:51
